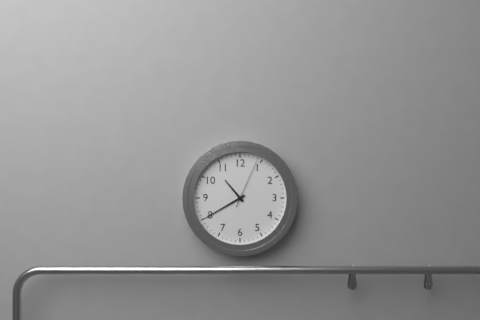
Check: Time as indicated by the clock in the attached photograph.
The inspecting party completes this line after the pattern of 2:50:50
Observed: 10:40:04
